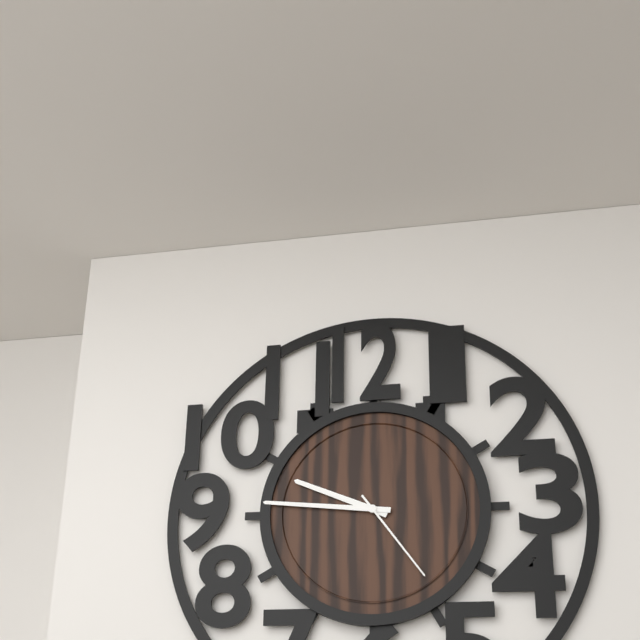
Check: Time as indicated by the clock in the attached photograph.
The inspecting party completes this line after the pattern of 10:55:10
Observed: 9:46:24
